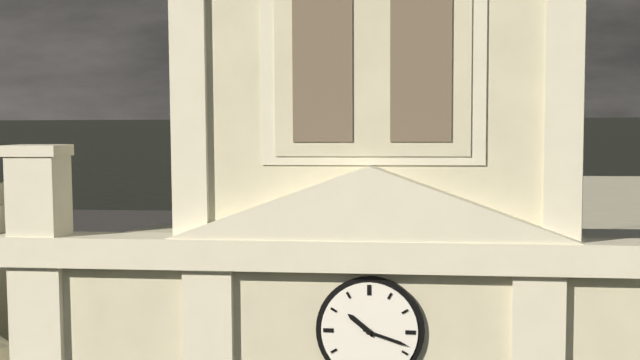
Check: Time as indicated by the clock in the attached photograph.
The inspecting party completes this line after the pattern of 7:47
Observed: 10:18
